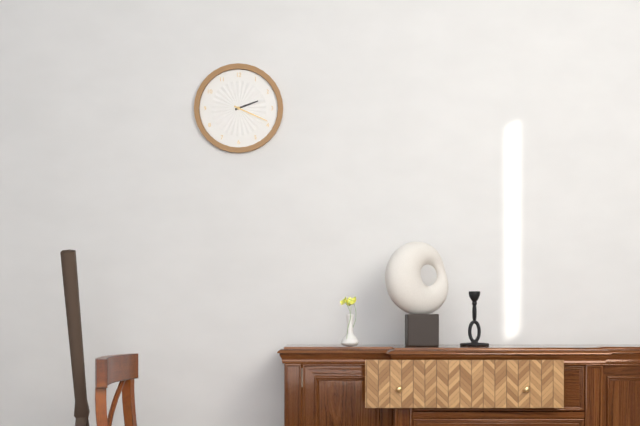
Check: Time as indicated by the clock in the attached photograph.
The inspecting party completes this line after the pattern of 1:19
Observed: 2:19
